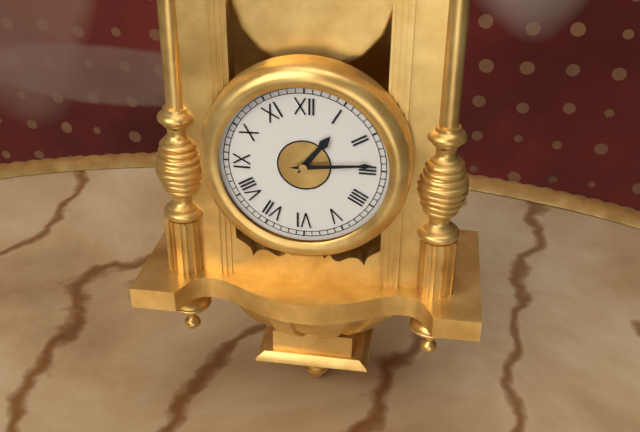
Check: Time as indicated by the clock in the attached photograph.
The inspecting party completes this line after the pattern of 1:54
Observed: 1:14
